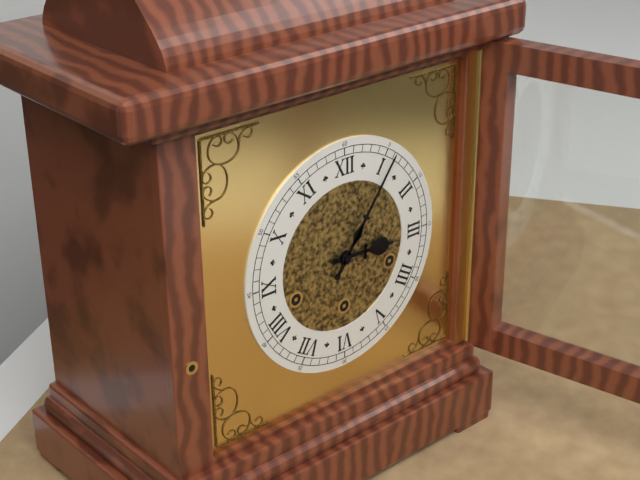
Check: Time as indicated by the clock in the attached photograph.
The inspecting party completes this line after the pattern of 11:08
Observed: 3:06
